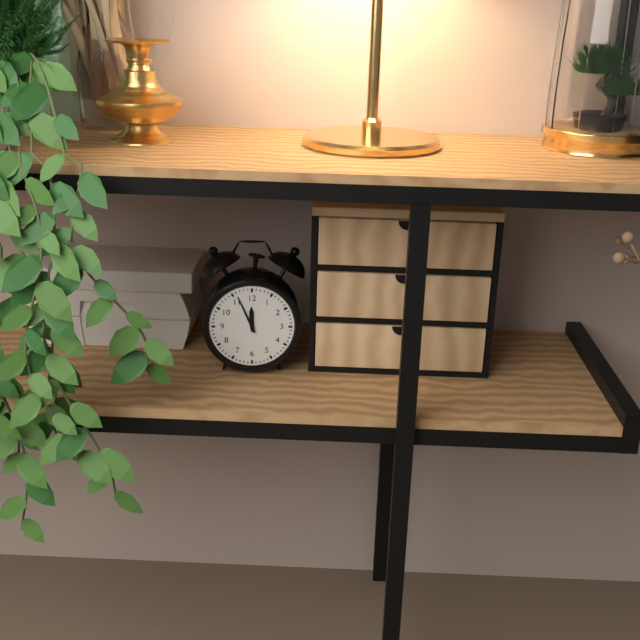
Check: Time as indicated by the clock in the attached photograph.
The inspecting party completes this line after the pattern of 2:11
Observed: 11:56
